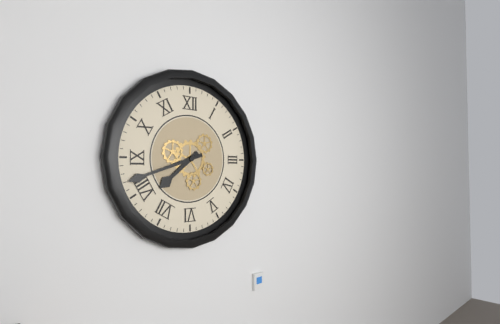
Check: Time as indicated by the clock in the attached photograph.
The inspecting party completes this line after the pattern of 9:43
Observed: 7:42
